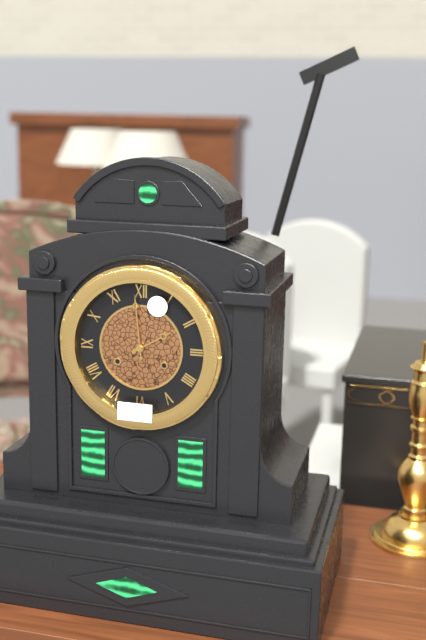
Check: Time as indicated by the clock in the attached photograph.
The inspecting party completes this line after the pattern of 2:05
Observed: 1:59
